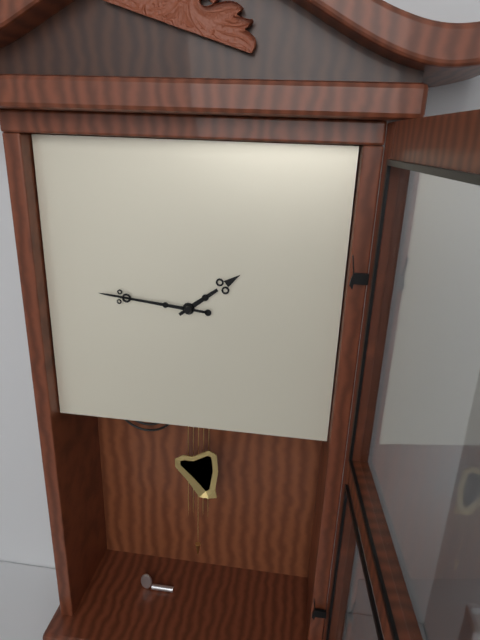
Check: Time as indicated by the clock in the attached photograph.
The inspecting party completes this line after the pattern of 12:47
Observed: 1:46
